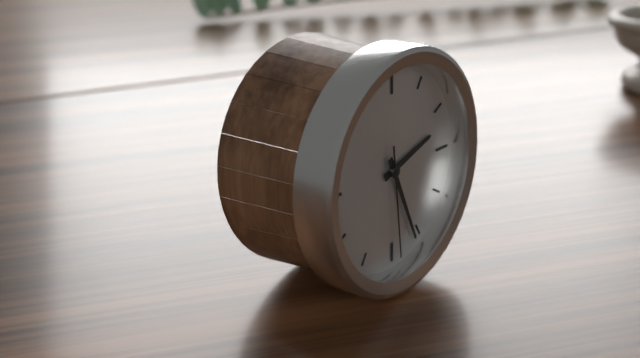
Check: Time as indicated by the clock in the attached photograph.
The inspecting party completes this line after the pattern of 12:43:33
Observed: 2:26:29
